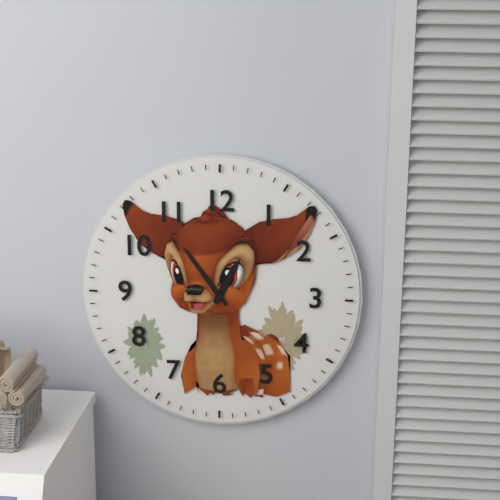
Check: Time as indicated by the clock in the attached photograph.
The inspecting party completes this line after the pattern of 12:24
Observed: 12:54
